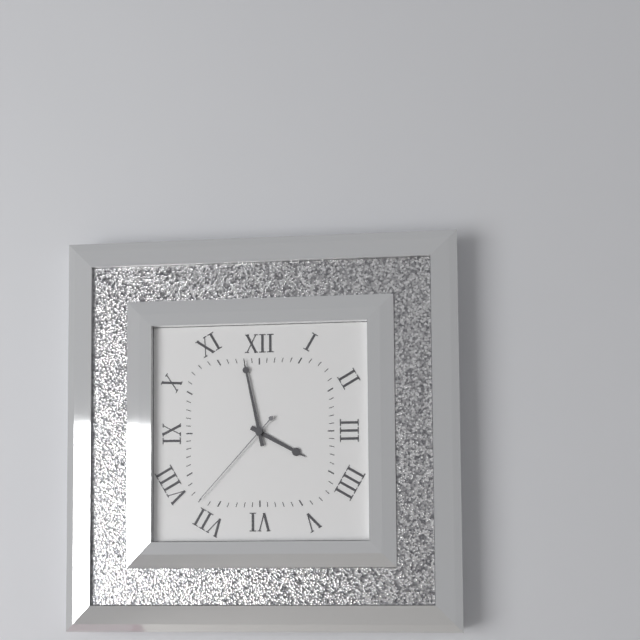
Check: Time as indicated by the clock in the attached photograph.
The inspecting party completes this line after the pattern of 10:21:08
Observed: 3:58:37
